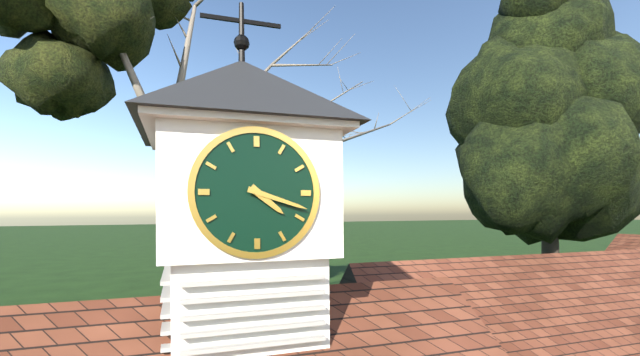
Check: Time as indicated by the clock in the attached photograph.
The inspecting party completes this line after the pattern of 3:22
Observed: 4:18
